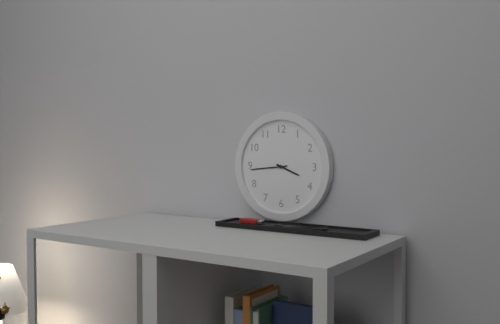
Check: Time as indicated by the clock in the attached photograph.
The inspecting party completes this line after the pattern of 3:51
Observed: 3:44
